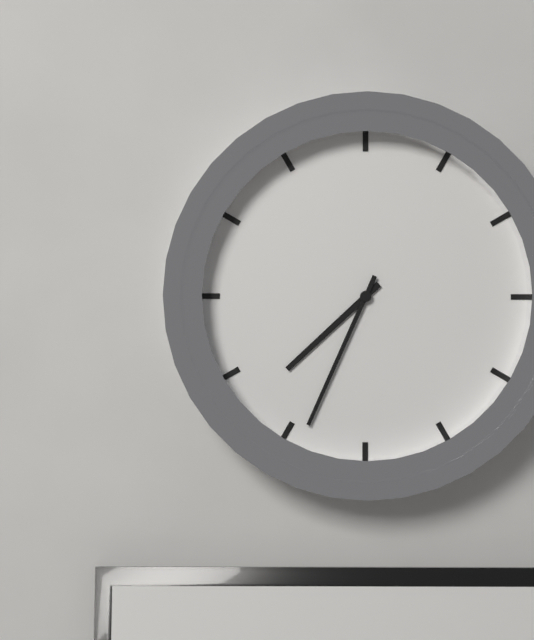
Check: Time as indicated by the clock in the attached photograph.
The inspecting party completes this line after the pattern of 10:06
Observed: 7:34
